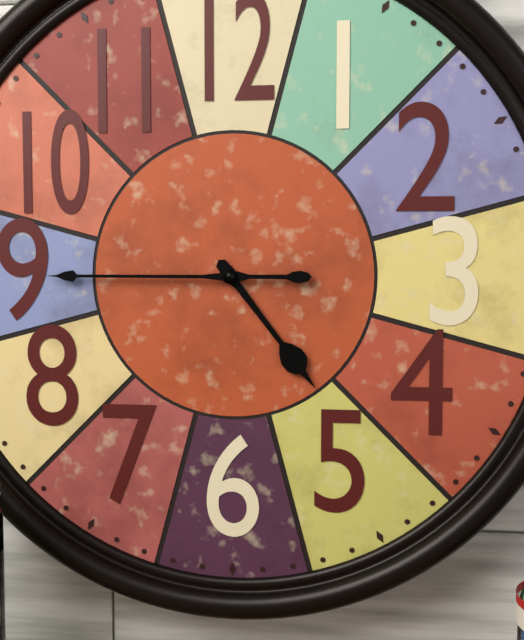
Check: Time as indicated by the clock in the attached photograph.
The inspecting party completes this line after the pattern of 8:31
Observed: 4:45
